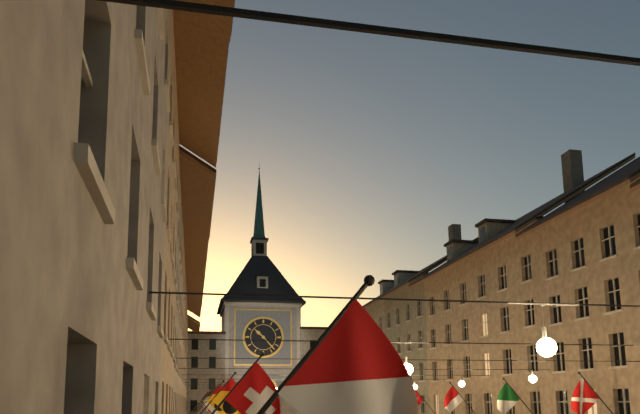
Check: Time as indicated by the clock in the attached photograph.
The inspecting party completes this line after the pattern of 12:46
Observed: 10:23
